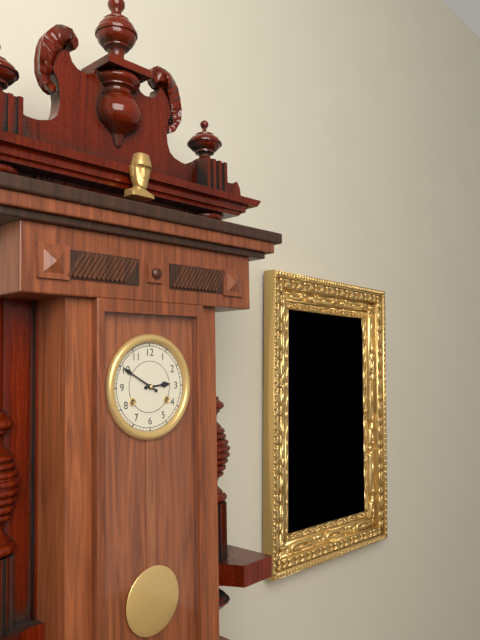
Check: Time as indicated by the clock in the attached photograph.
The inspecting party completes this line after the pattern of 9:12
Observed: 2:50
